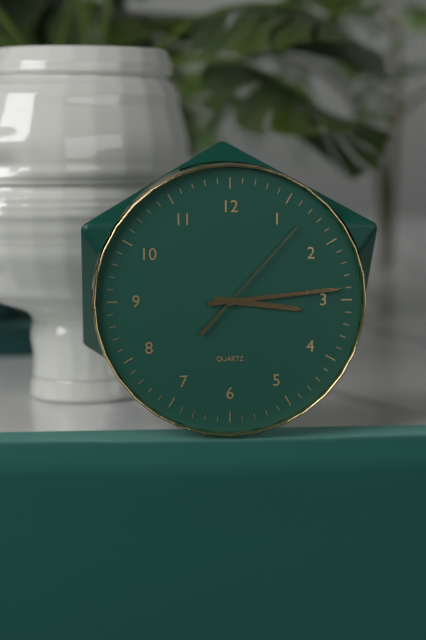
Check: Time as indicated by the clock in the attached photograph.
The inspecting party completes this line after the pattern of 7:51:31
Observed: 3:14:07
